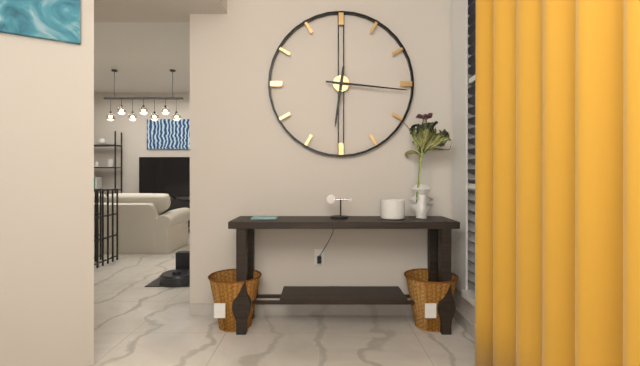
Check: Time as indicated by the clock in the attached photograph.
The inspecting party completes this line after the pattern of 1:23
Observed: 6:16
